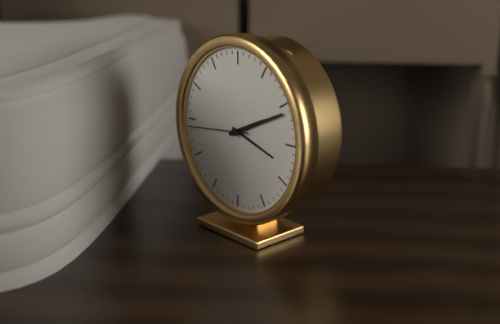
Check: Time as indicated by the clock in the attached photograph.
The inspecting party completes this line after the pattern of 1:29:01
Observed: 2:11:44
